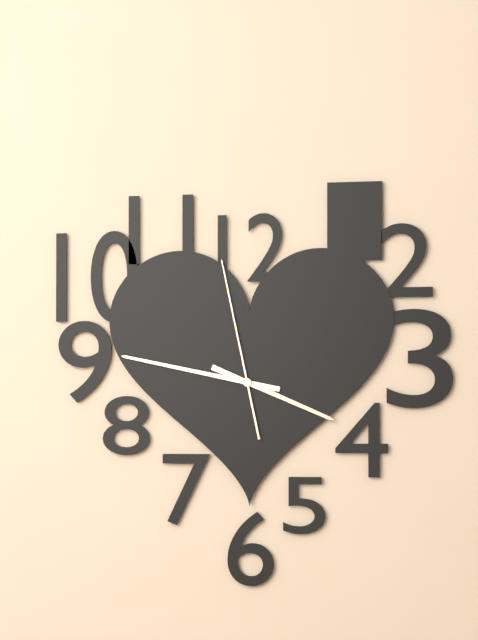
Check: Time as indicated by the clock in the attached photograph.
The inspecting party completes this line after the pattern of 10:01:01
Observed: 3:47:58
